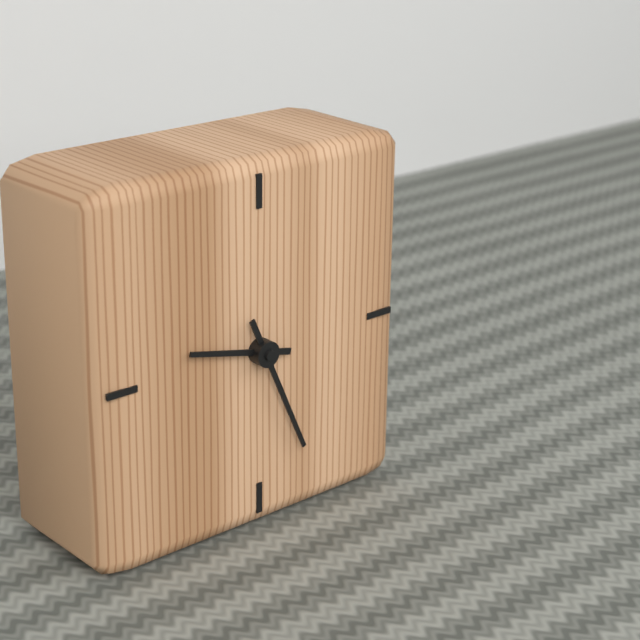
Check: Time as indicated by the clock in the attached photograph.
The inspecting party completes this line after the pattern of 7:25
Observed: 9:26
